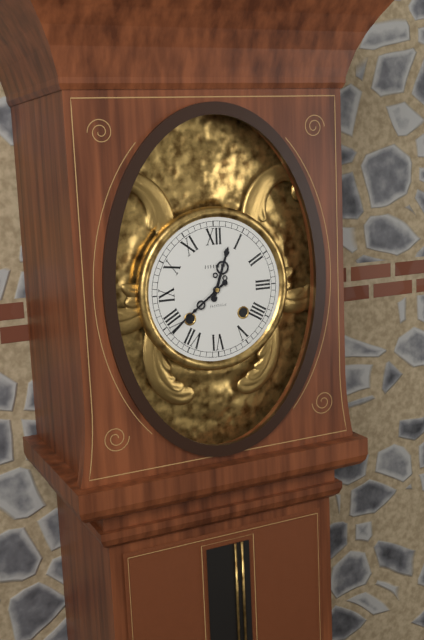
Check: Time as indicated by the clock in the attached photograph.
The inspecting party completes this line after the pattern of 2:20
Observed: 12:39
